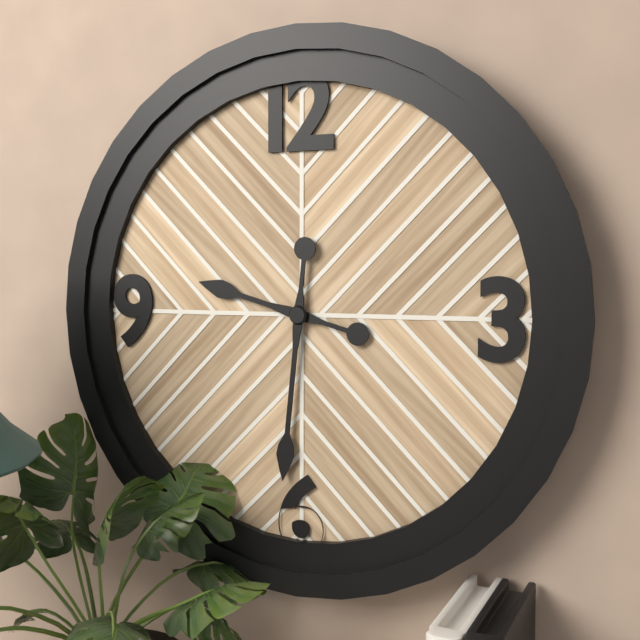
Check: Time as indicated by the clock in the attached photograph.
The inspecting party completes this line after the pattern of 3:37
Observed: 9:31
